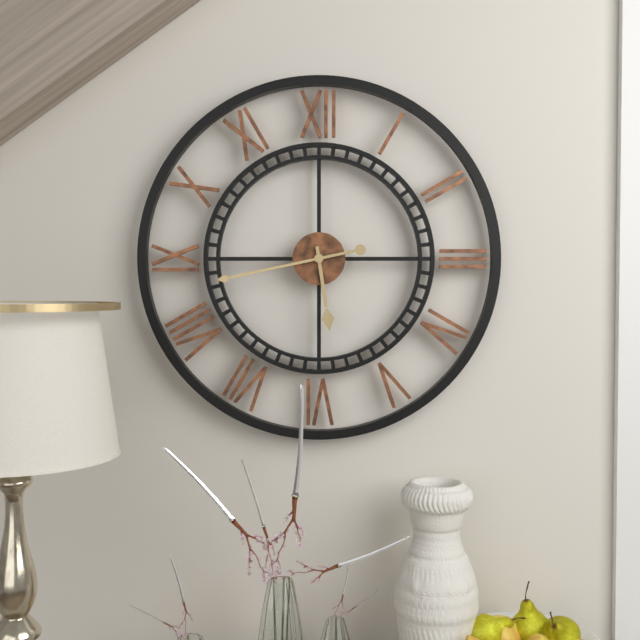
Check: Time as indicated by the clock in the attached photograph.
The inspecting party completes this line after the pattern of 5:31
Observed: 5:43
